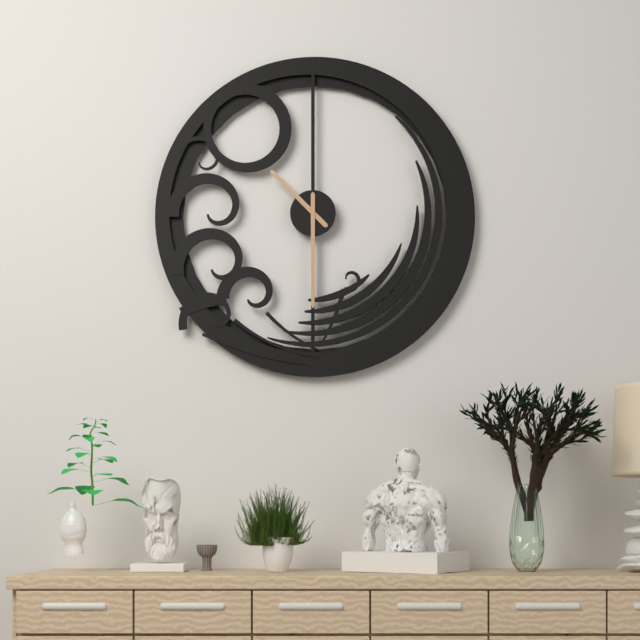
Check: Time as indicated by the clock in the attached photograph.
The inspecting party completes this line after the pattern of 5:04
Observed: 10:30
